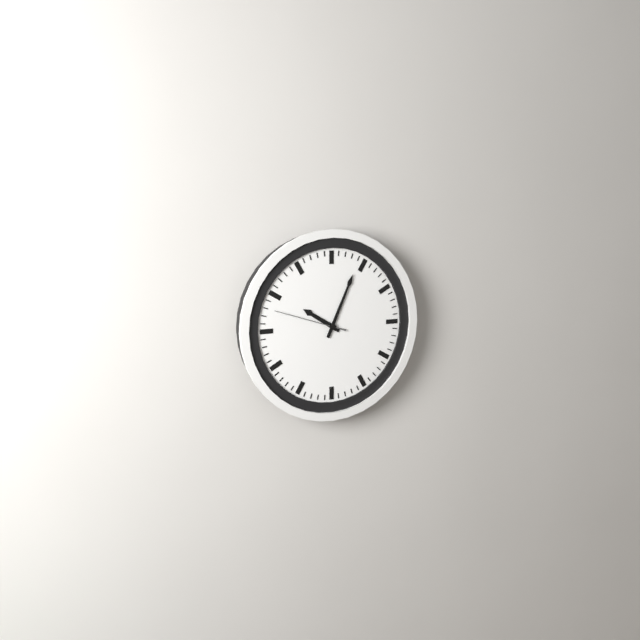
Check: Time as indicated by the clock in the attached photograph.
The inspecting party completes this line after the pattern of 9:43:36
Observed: 10:04:48
